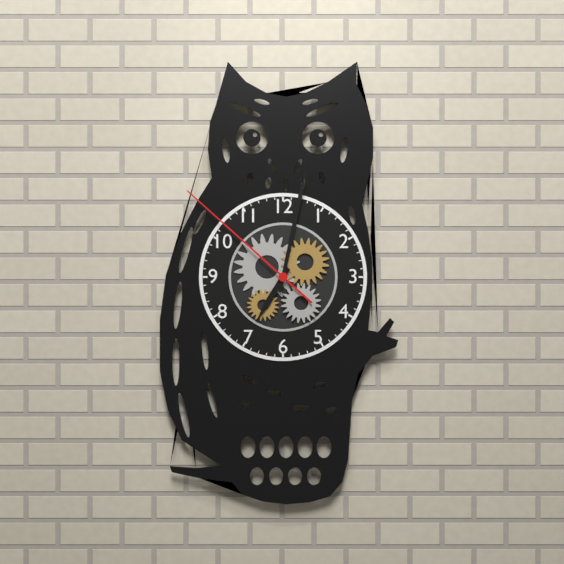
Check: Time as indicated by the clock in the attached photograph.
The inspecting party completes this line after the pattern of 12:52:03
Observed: 7:02:52
